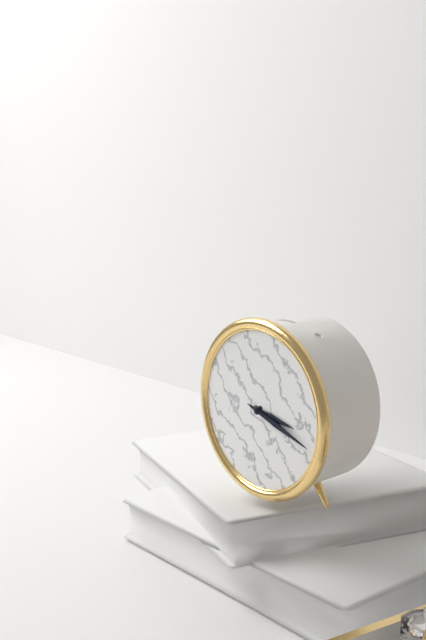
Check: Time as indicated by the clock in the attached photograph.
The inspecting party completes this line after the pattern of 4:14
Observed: 3:18
